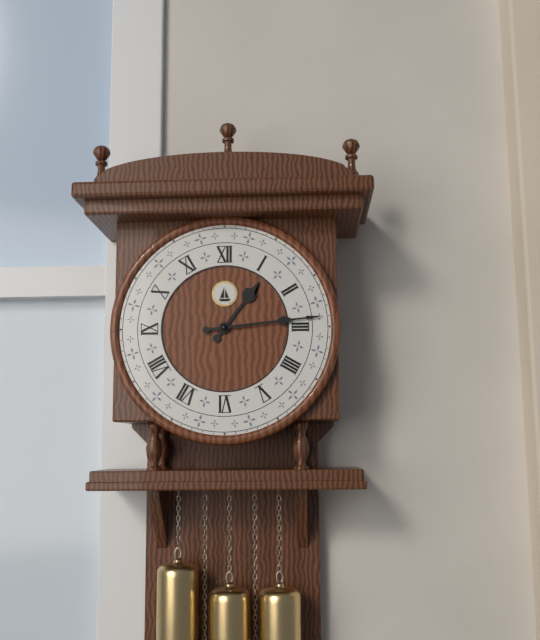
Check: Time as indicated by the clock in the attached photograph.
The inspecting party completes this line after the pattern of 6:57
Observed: 1:14
